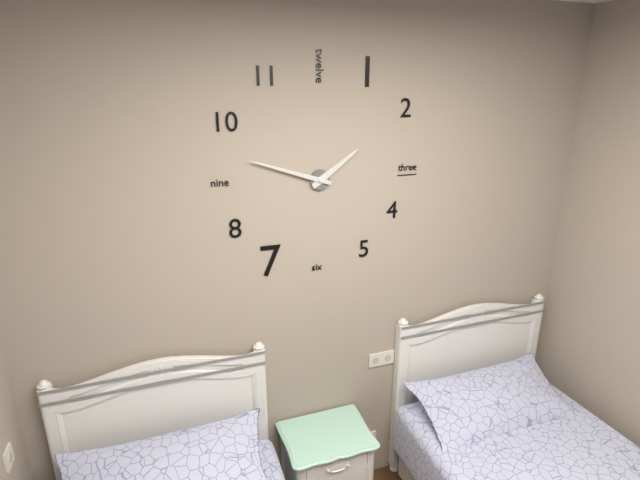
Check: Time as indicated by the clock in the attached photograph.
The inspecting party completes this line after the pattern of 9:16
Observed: 1:48
